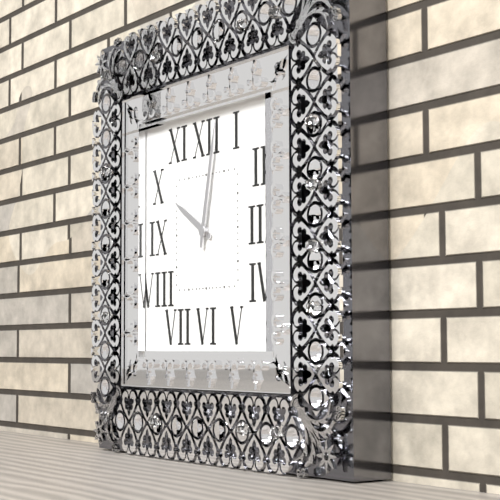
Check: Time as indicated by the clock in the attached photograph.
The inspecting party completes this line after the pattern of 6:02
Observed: 10:02
